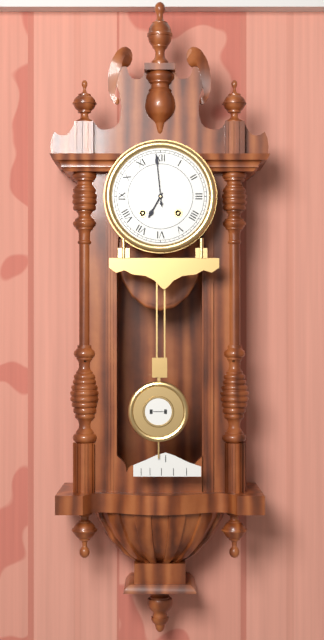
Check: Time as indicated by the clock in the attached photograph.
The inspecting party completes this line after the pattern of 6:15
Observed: 6:59
